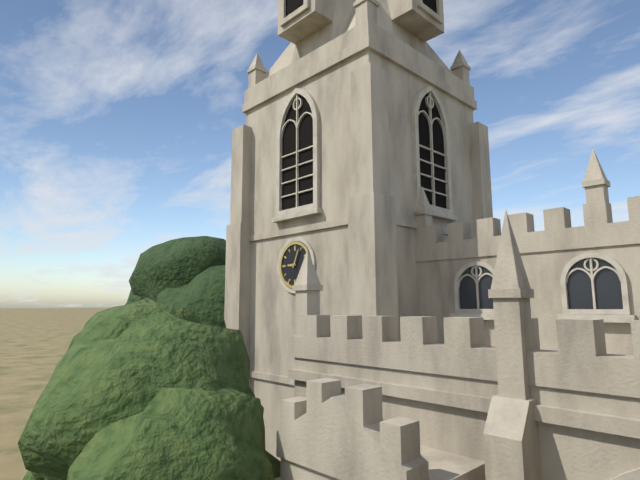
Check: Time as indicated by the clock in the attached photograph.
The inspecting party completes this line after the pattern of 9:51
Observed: 9:04
